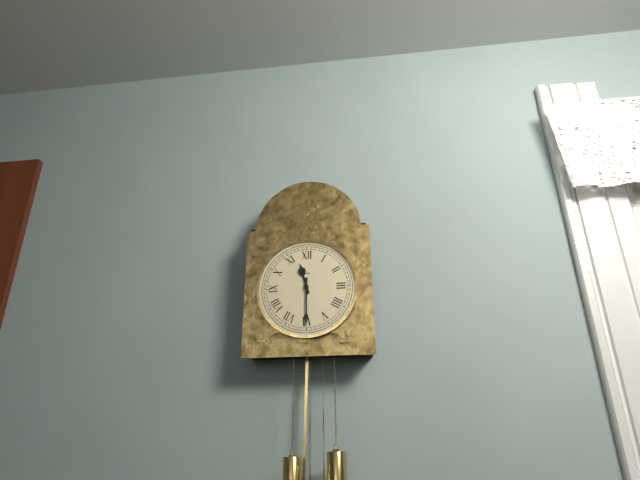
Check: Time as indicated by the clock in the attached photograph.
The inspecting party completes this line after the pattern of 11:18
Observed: 11:30
